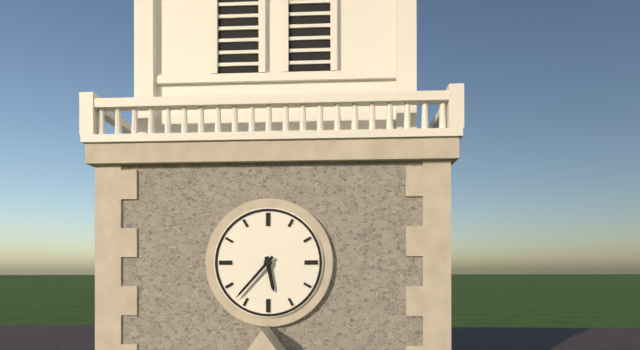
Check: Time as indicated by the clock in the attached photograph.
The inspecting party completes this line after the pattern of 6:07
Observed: 5:37
